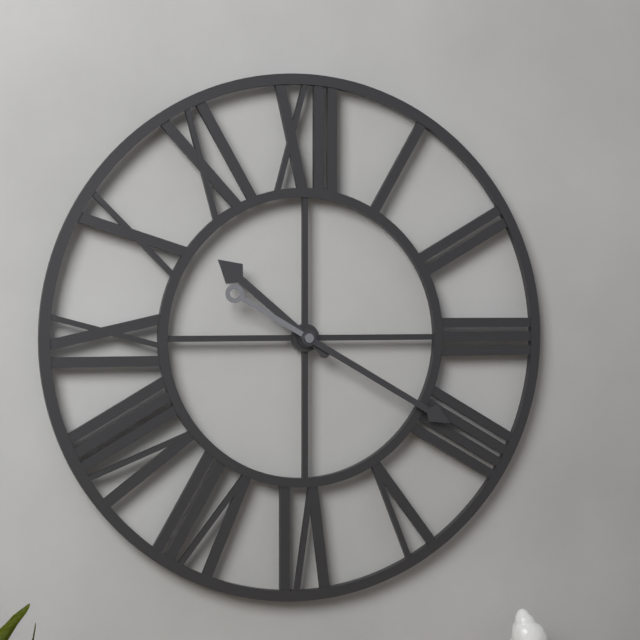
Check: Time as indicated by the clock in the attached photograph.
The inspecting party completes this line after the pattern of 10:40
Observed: 10:20
